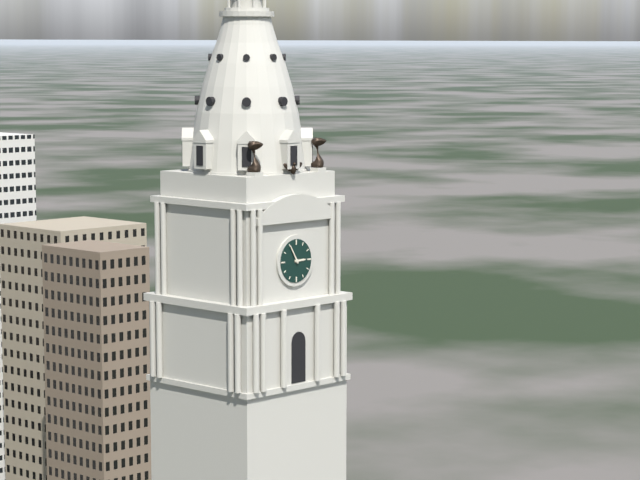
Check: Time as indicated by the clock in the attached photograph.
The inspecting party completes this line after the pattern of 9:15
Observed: 2:55
